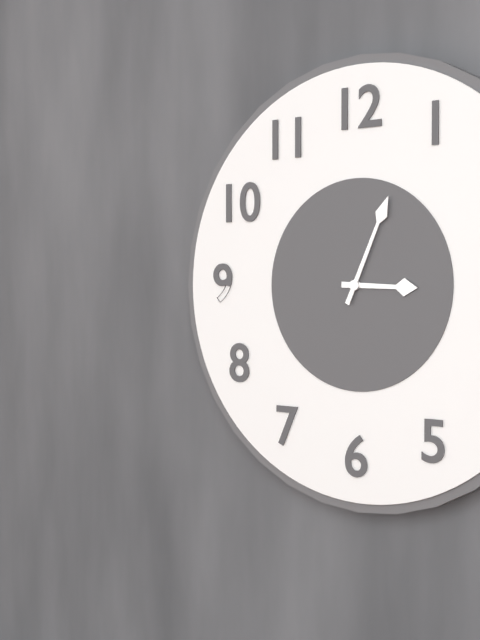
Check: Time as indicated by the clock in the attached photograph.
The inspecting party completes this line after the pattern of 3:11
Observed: 3:04
